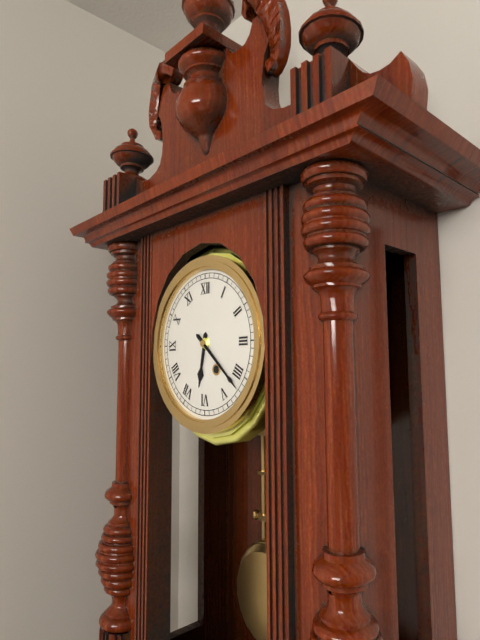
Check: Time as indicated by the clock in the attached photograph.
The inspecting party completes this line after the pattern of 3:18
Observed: 6:22
